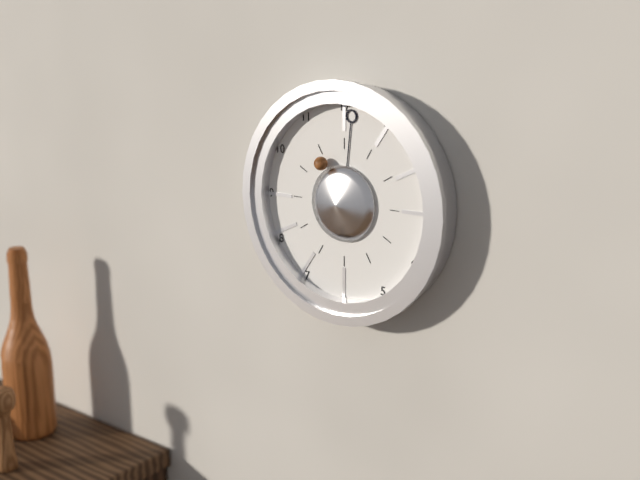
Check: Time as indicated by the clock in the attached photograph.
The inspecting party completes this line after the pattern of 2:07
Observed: 11:01
